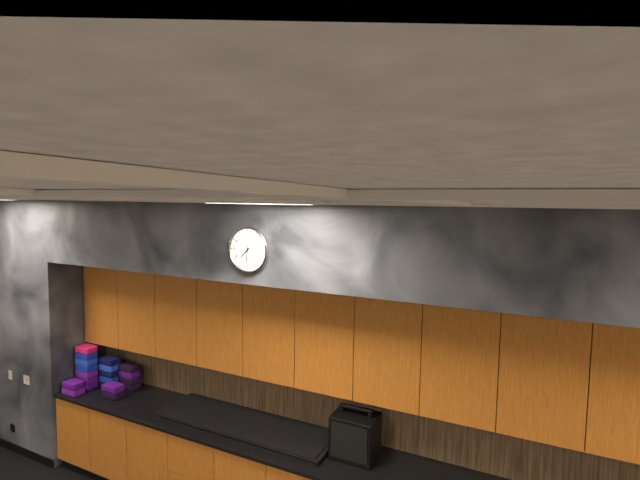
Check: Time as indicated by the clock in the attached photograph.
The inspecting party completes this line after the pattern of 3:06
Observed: 7:31
